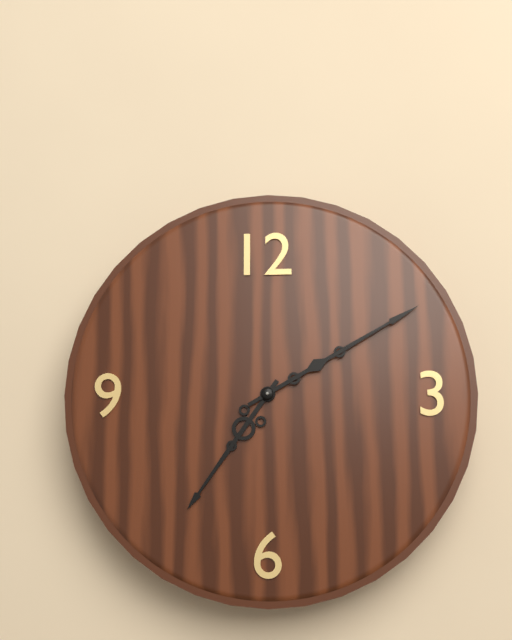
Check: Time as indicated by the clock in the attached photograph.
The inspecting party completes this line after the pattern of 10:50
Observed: 7:10
